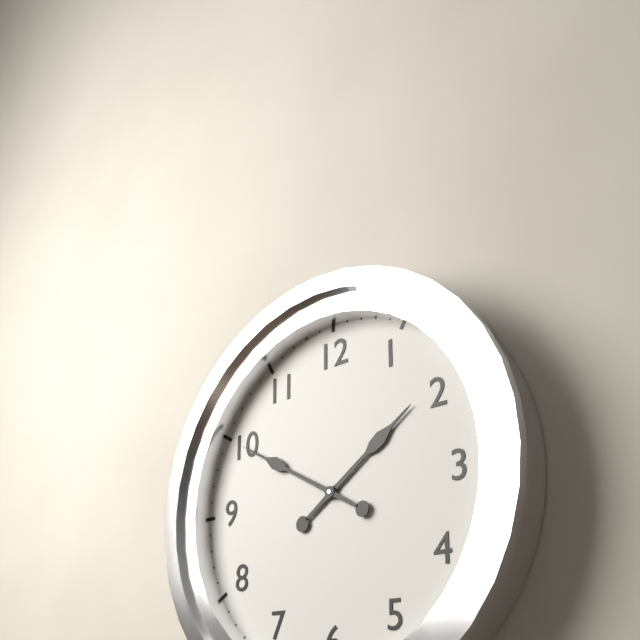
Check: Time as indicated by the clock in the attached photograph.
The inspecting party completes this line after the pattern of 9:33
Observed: 1:50
